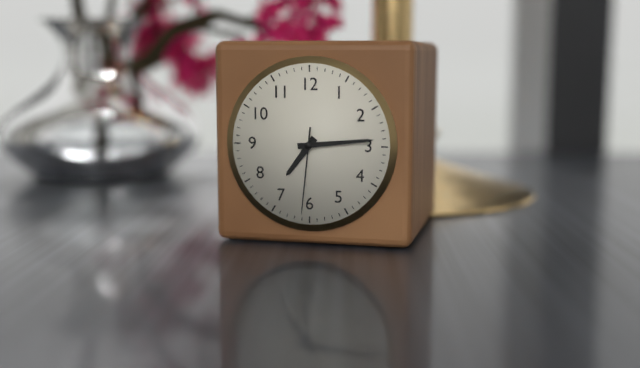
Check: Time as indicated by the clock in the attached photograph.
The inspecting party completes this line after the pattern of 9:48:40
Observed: 7:14:31
